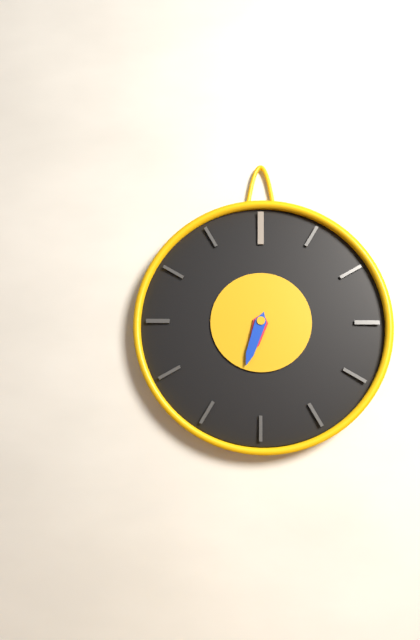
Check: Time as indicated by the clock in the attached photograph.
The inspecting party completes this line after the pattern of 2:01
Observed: 6:33
